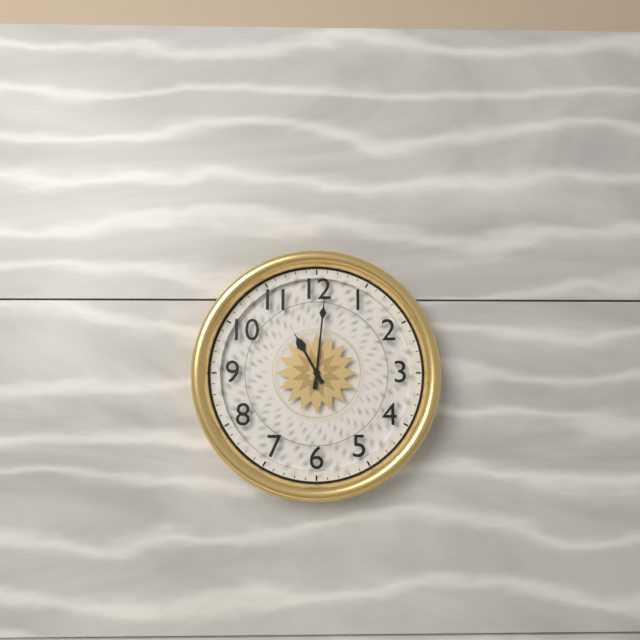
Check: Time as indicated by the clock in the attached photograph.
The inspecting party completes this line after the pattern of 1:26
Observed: 11:01
